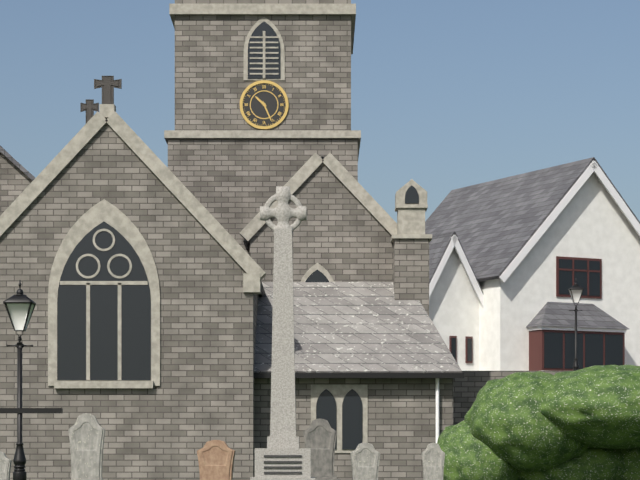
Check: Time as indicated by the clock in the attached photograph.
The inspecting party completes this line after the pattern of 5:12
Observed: 10:26
